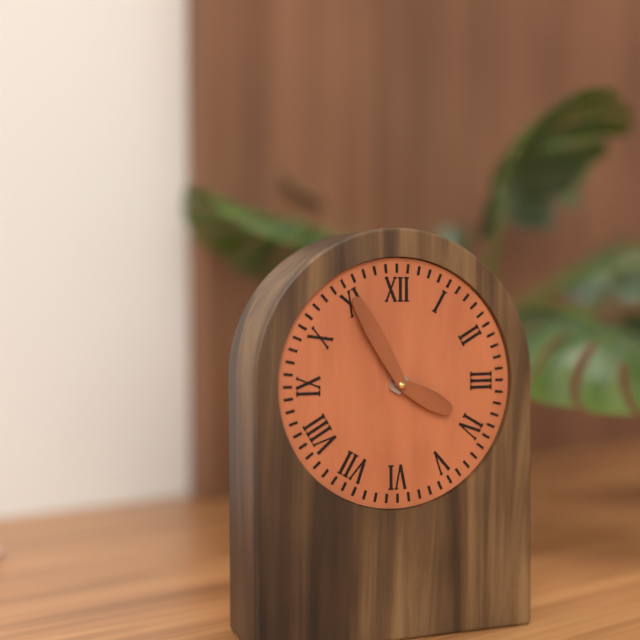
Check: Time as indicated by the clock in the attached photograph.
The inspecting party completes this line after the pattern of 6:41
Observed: 3:55
